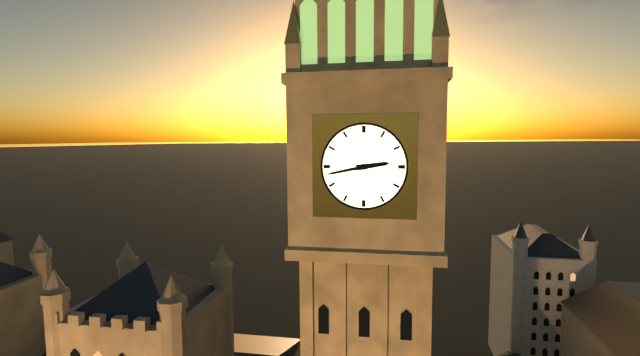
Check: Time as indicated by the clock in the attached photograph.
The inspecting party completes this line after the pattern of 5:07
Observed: 2:43
